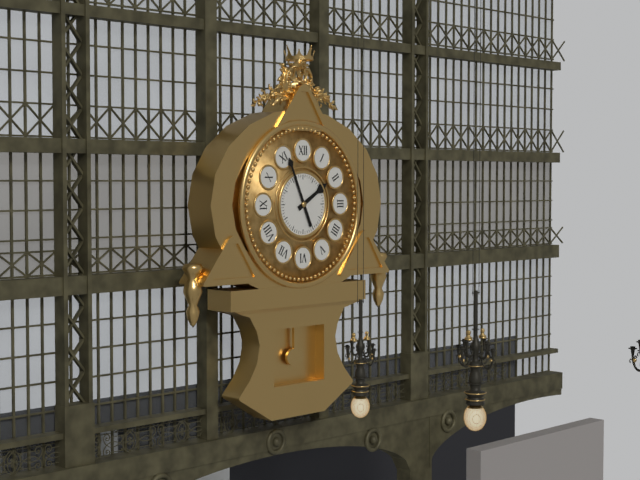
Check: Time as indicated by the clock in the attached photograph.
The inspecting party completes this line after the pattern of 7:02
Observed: 1:56
